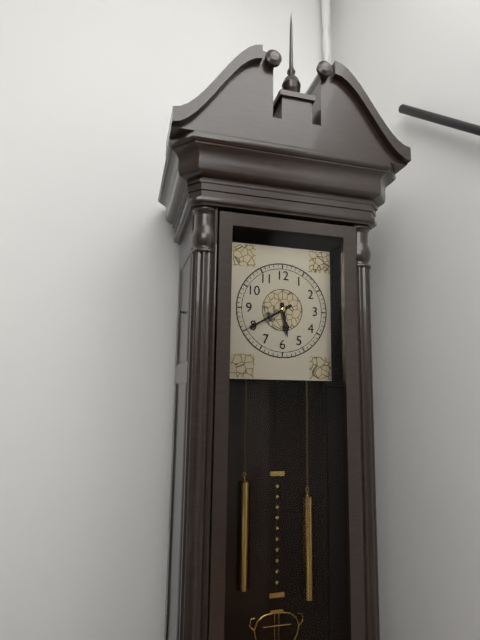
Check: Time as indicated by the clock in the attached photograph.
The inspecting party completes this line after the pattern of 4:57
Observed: 5:40
